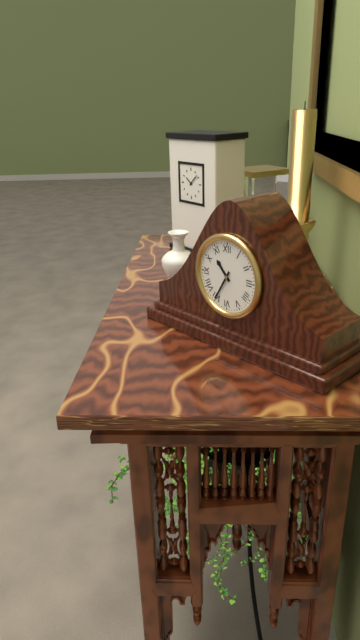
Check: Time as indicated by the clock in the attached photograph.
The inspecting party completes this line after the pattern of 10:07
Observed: 10:35
